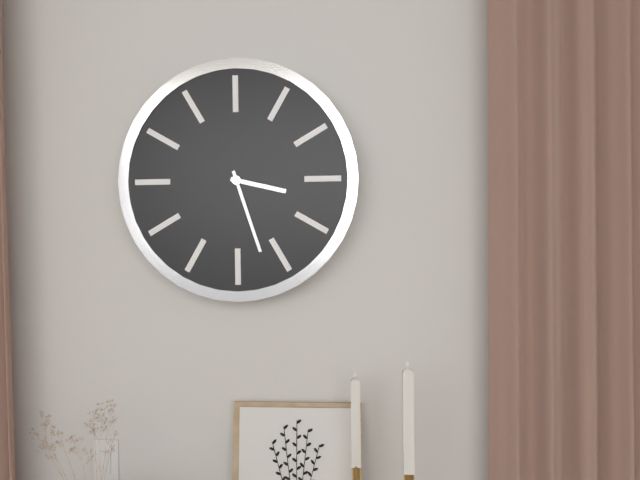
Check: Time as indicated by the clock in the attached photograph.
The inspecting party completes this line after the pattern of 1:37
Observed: 3:27
